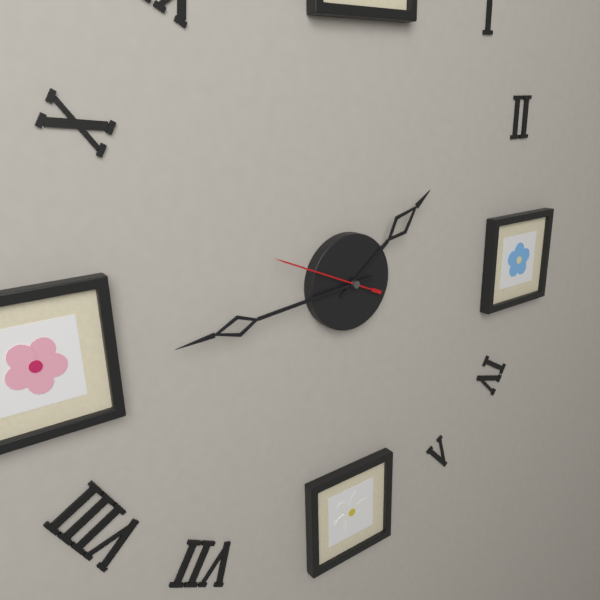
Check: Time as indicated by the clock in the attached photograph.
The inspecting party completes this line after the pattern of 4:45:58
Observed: 1:44:49
